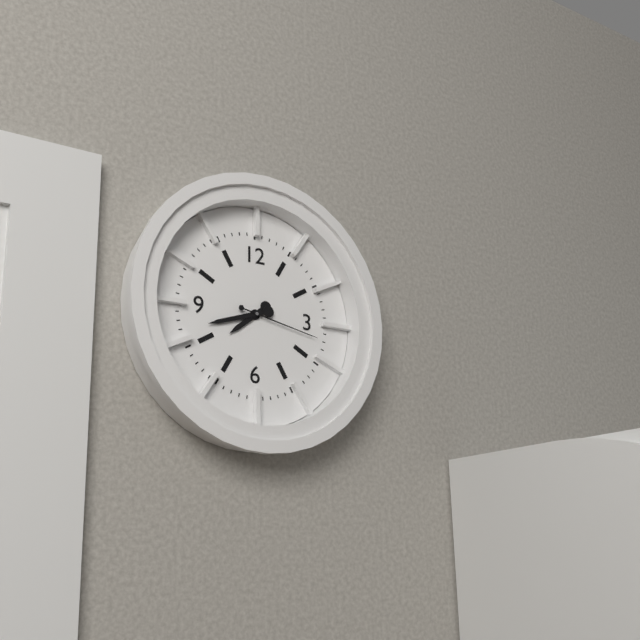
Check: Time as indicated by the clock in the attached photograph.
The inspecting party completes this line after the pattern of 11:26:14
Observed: 7:42:17
